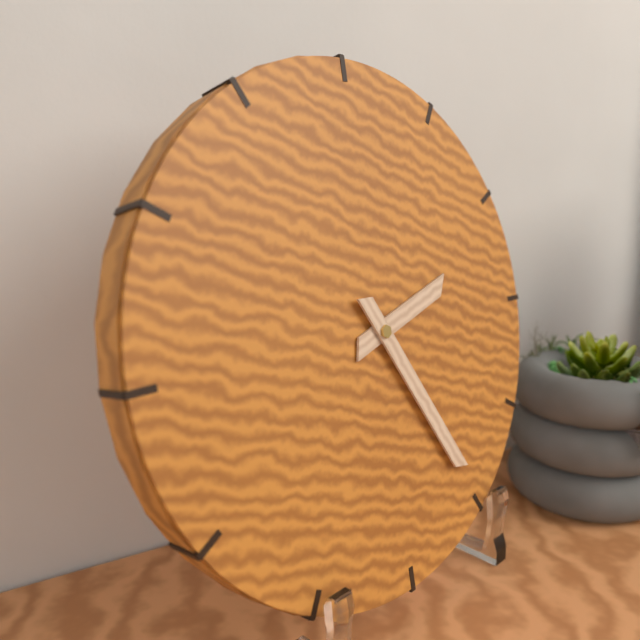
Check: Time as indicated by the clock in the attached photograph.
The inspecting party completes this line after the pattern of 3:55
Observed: 2:25
